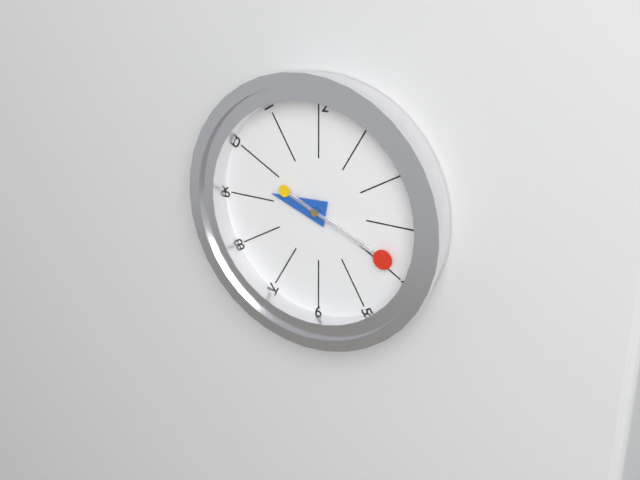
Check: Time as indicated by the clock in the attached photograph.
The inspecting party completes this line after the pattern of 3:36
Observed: 9:19
